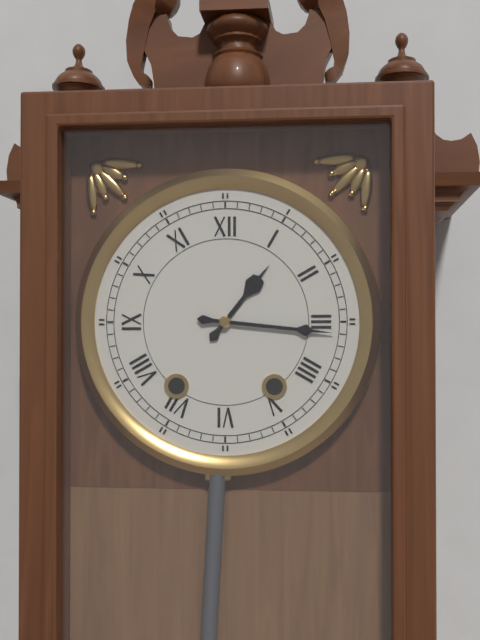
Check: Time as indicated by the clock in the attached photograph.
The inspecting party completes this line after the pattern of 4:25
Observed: 1:16
